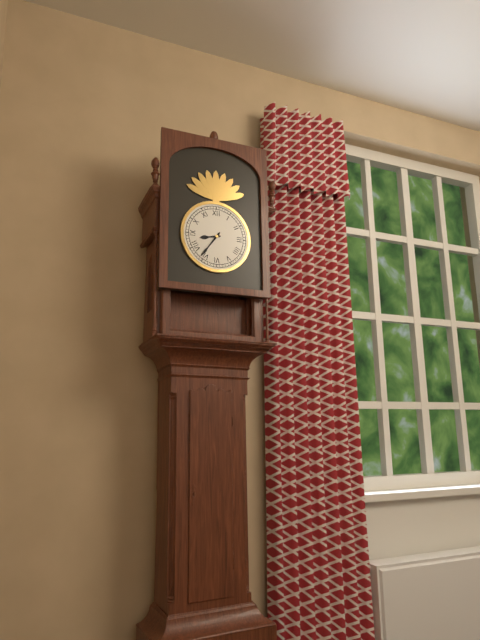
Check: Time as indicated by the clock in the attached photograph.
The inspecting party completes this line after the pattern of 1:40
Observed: 8:36
